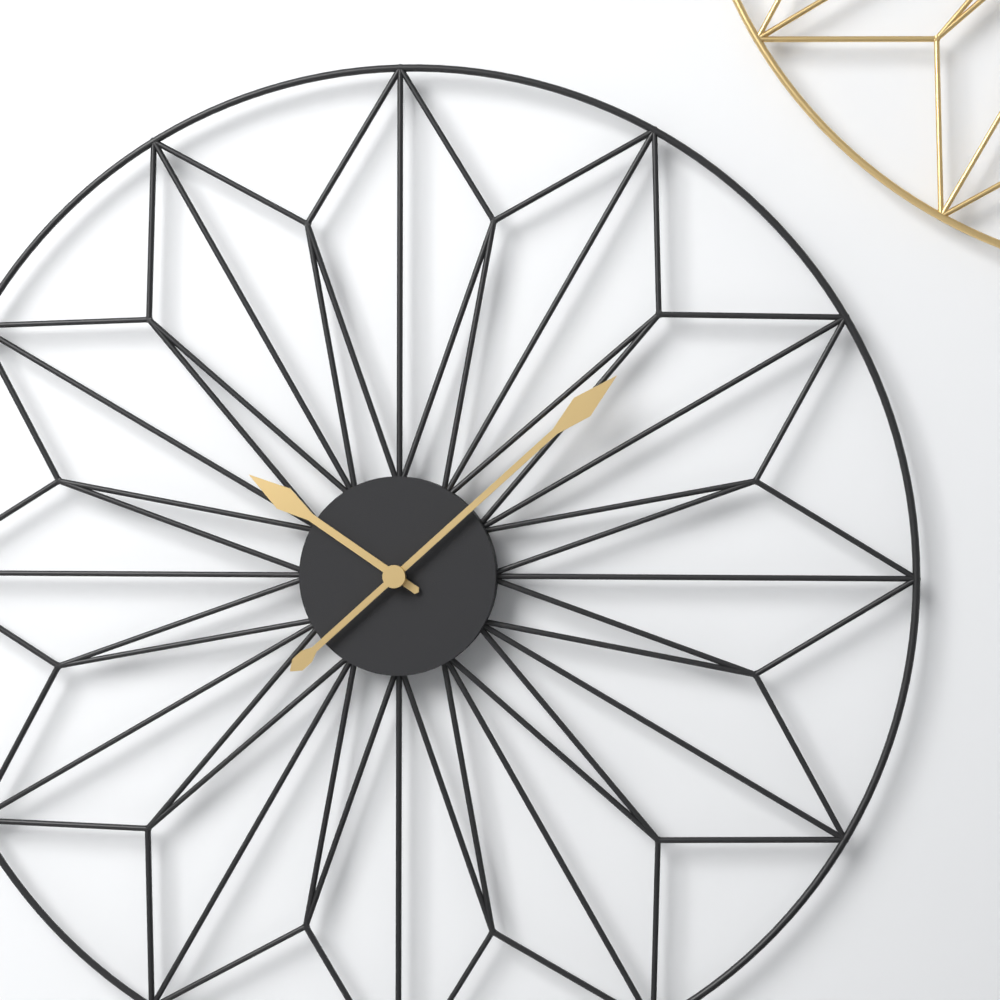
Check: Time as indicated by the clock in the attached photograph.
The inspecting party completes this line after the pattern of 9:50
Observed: 10:08
